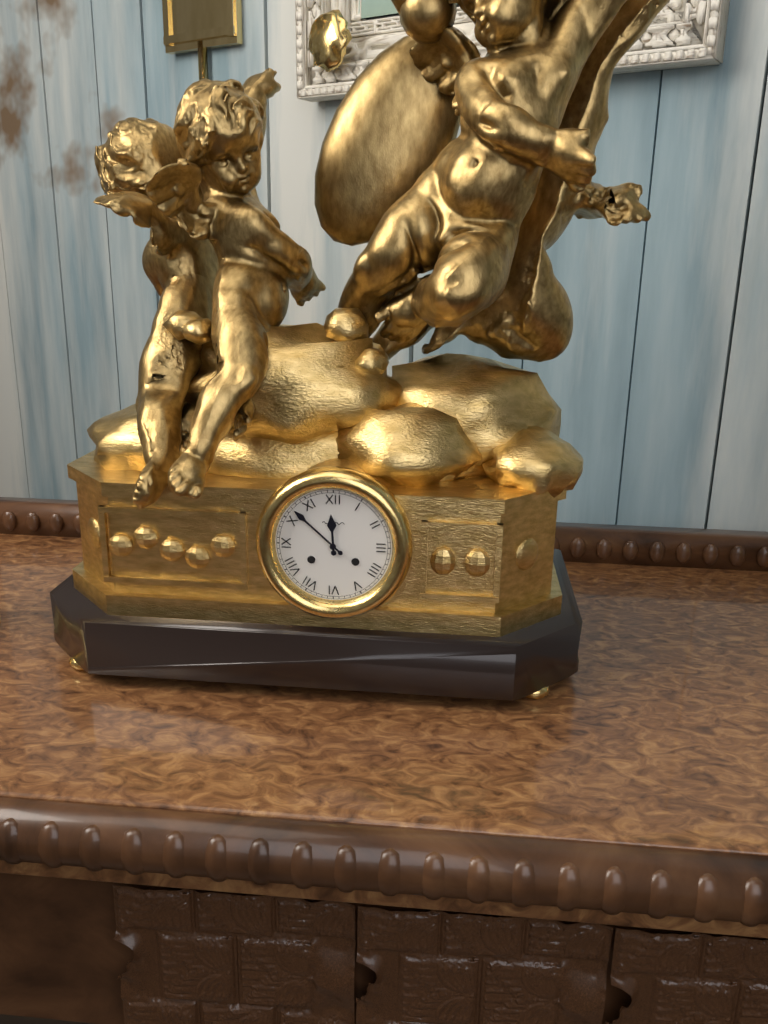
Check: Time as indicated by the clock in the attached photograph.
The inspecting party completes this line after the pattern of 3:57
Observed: 11:52
